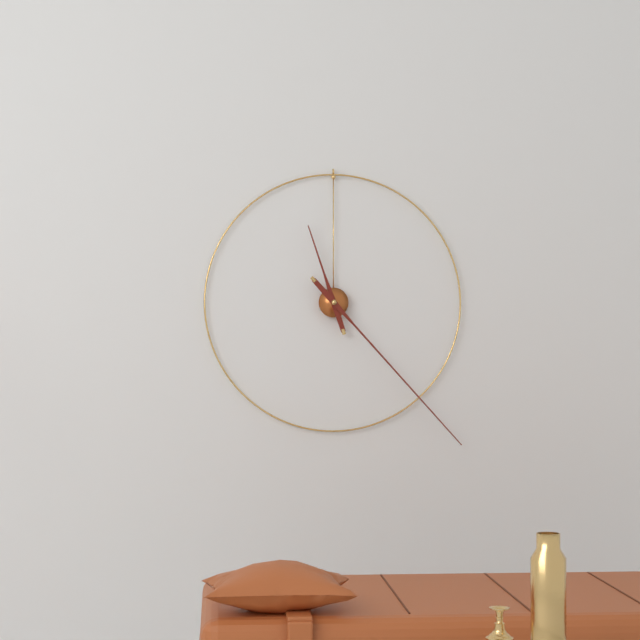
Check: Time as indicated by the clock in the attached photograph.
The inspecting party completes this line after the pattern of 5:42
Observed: 11:23
